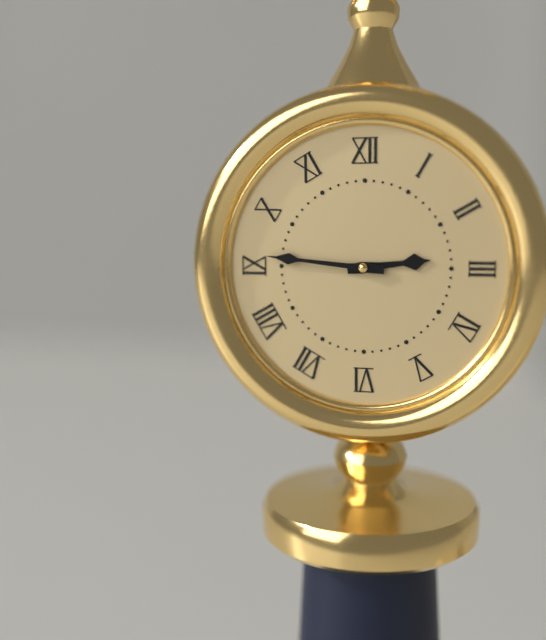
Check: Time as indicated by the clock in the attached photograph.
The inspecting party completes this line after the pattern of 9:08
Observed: 2:46
